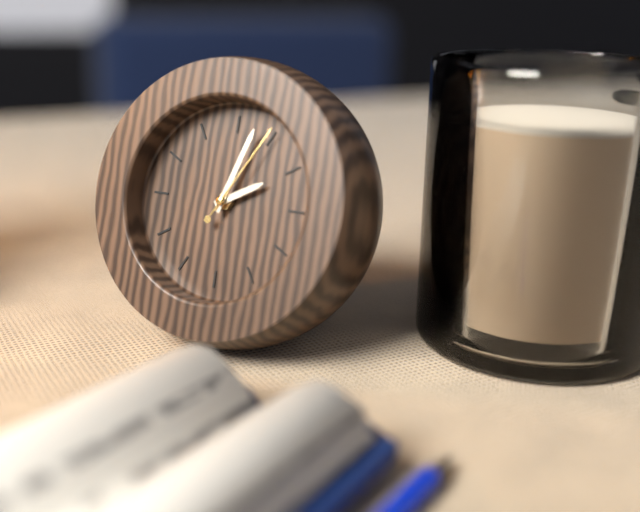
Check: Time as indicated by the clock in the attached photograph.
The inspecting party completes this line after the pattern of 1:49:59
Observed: 2:03:05
